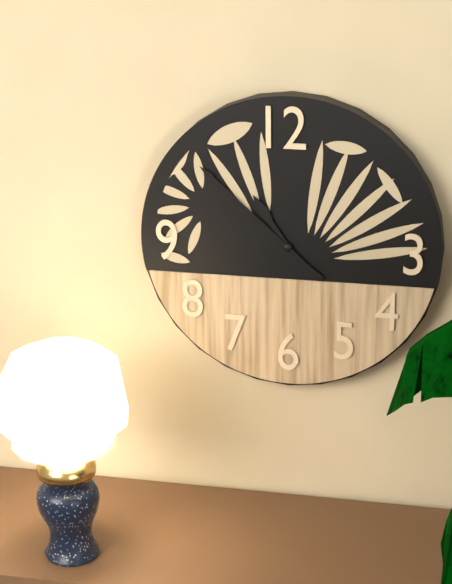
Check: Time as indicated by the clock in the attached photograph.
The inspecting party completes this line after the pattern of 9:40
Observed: 10:52
